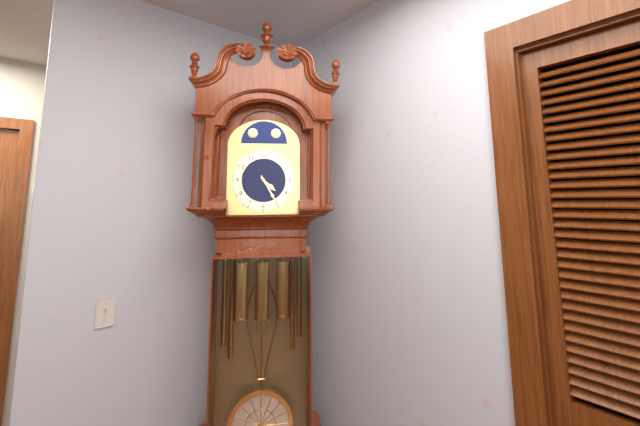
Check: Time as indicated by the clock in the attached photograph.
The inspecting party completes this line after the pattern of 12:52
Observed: 4:25
